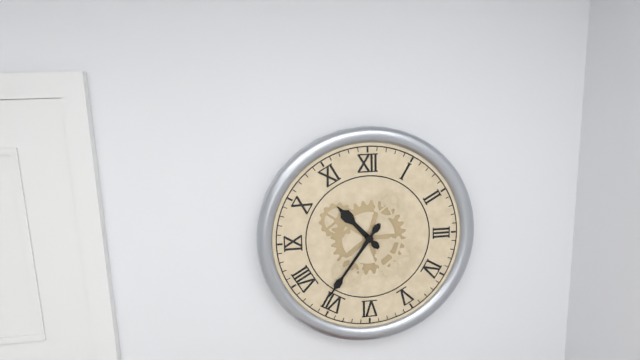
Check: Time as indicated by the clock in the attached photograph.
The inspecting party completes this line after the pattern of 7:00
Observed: 10:36
